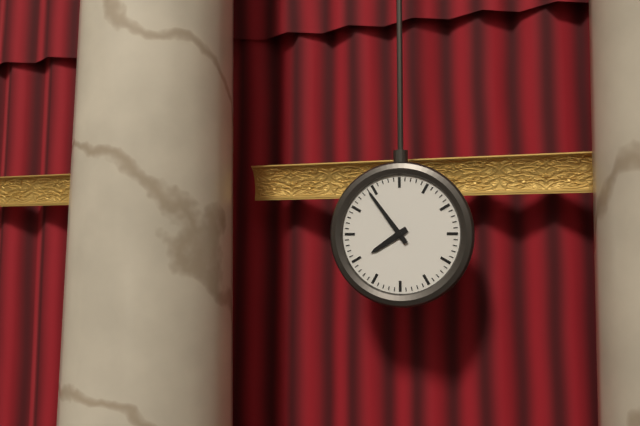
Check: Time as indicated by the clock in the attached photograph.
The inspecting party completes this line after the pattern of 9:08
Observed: 7:54
